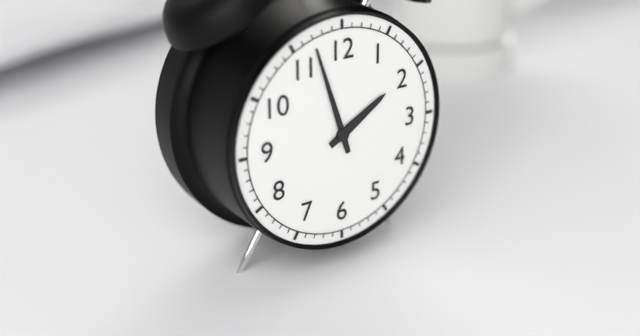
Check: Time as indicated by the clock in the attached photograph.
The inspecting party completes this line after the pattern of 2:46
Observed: 1:57
